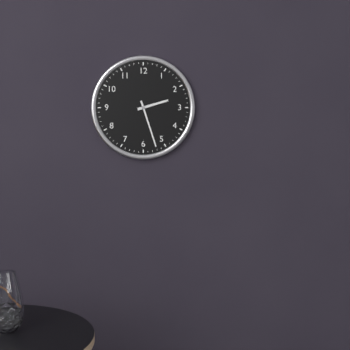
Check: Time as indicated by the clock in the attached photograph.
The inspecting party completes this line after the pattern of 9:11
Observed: 2:27
